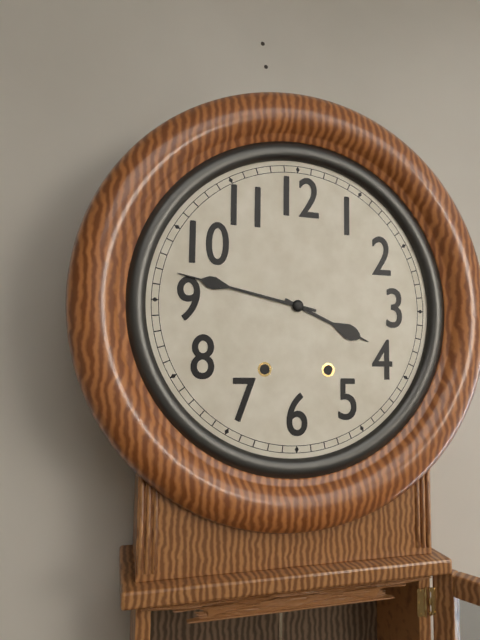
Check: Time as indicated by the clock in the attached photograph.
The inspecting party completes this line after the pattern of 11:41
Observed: 3:47
